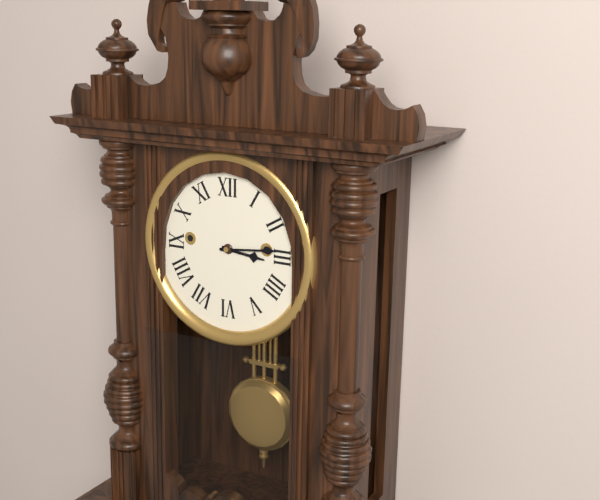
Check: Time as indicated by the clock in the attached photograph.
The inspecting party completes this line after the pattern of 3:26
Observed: 3:14
